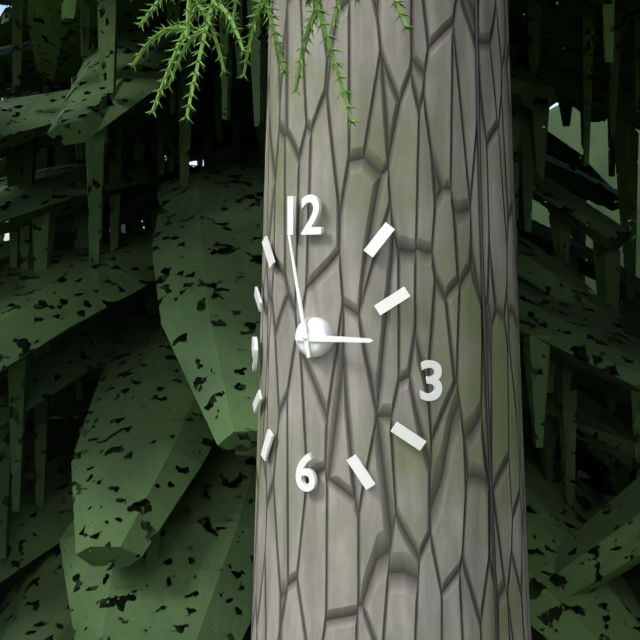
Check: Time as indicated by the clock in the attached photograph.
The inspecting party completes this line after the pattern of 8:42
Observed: 2:58
